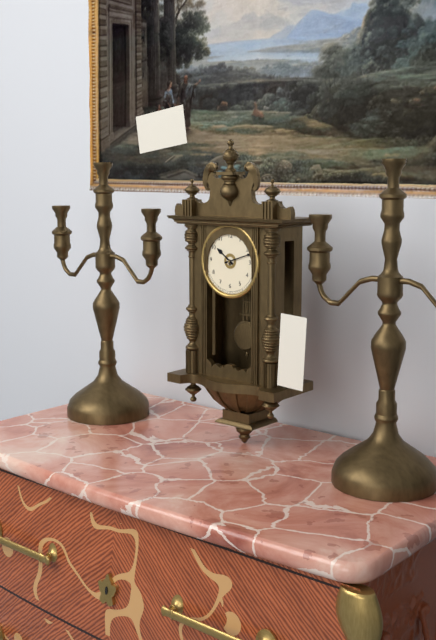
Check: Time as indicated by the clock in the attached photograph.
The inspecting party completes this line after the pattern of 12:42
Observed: 10:12
